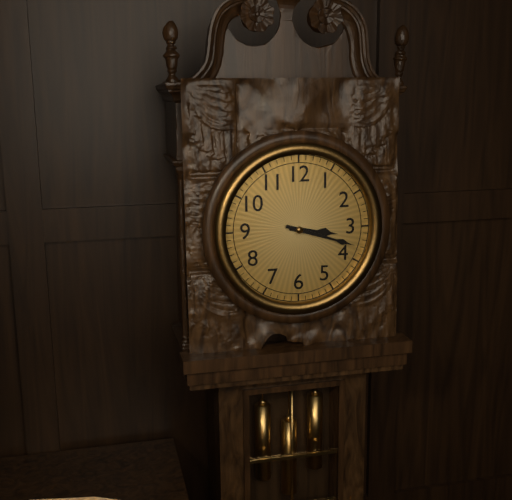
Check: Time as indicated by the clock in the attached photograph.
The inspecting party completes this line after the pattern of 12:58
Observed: 3:18
